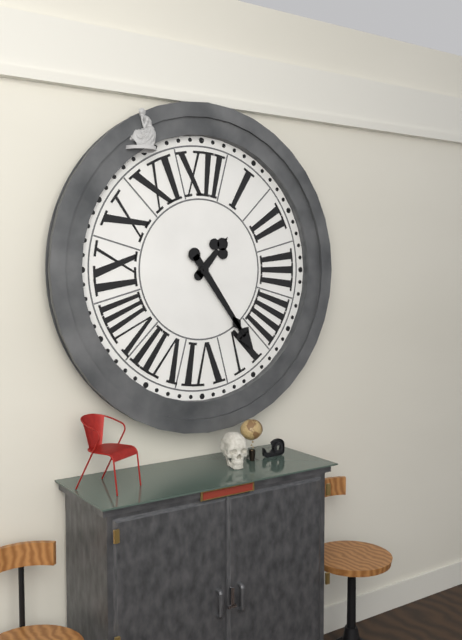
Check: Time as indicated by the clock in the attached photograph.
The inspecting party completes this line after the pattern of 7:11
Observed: 1:24
